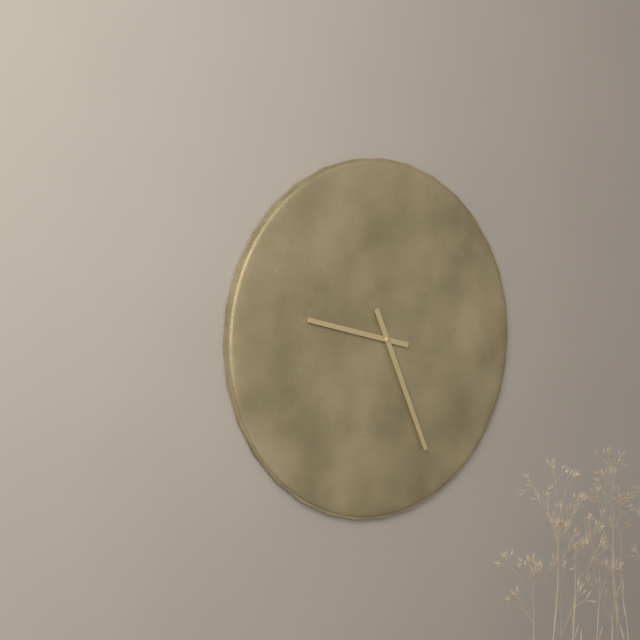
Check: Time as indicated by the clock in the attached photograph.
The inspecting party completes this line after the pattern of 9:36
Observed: 9:26
